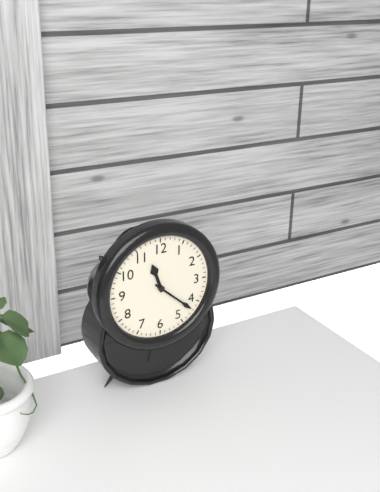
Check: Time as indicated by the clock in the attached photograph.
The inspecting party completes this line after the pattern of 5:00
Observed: 11:22
